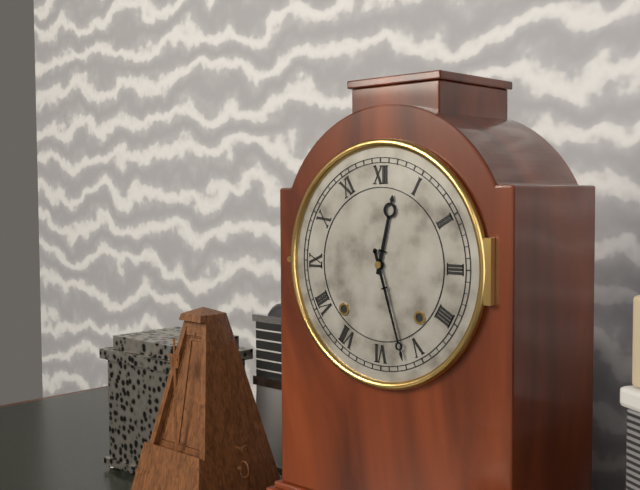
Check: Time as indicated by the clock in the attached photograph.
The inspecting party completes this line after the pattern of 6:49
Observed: 12:27
